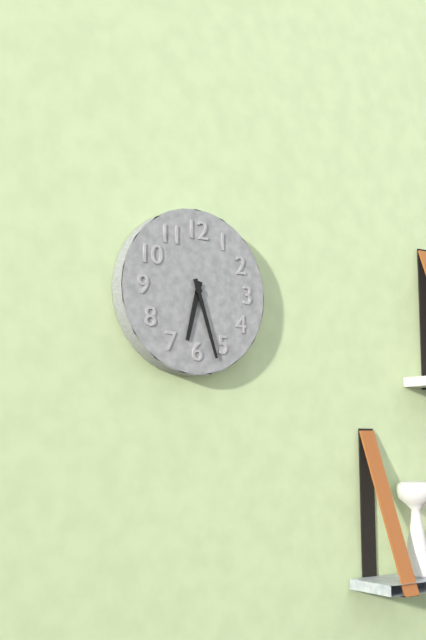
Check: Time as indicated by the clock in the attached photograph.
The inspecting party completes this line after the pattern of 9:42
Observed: 6:27
